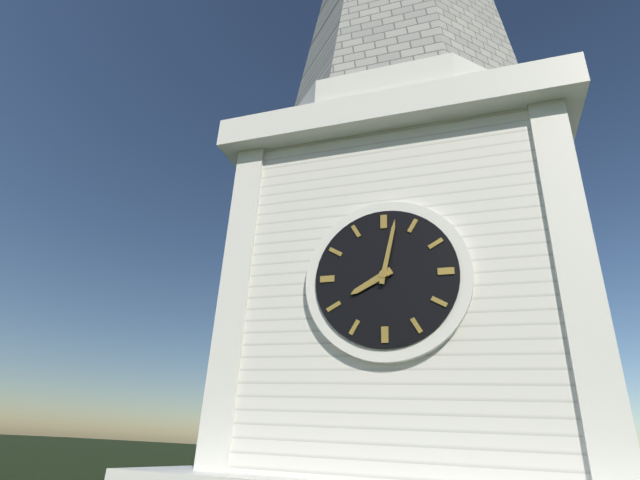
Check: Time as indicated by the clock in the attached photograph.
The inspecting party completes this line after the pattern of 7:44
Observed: 8:02
